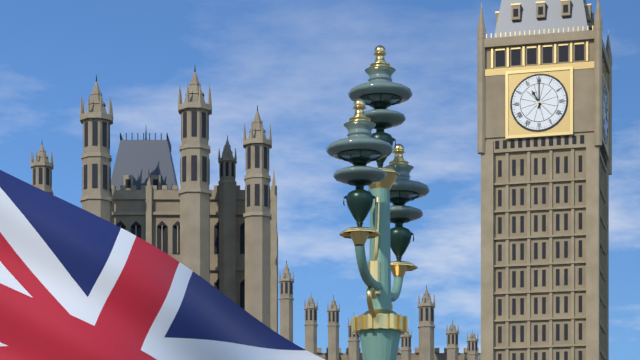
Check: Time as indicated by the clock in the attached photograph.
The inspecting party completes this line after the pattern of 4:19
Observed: 11:00
